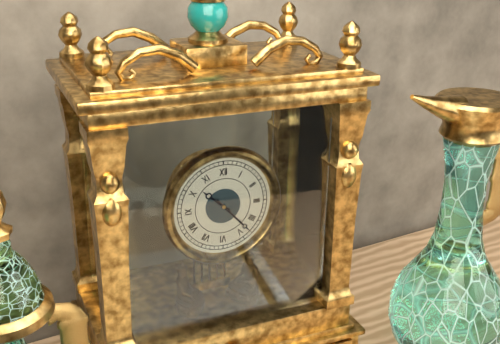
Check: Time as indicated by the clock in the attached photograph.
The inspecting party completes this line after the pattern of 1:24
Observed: 10:23
